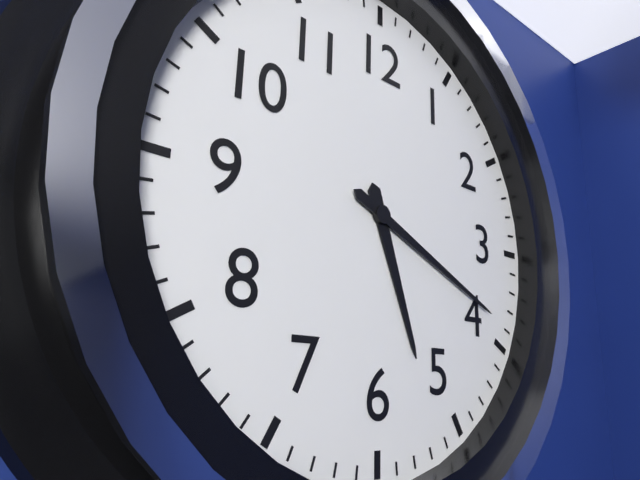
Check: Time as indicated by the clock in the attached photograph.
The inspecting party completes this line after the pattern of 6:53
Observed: 5:19
